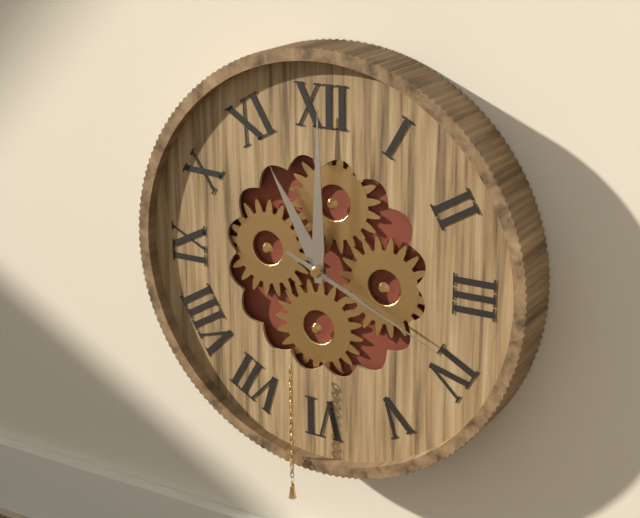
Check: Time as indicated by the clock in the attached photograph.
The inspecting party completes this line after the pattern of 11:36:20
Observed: 11:00:19
